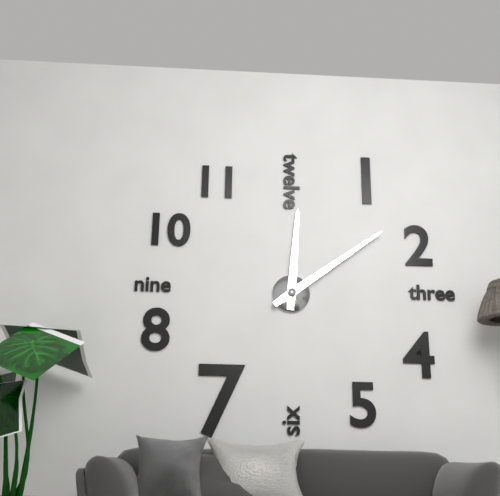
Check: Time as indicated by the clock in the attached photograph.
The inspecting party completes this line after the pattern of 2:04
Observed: 12:09
